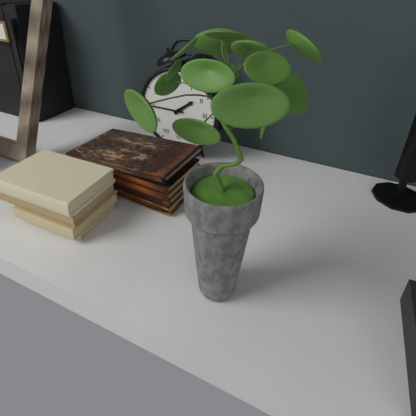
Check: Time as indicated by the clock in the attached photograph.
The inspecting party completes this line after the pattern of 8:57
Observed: 1:45
